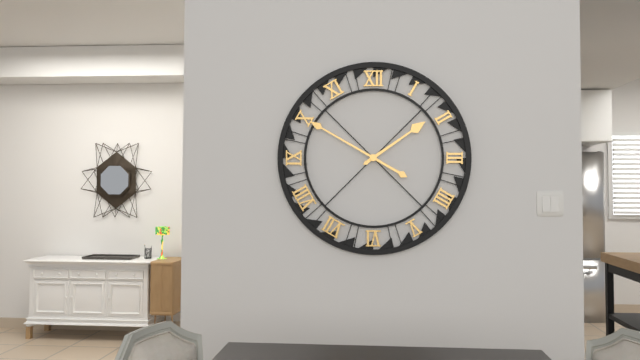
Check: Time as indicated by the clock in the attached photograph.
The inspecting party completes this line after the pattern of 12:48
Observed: 1:50
